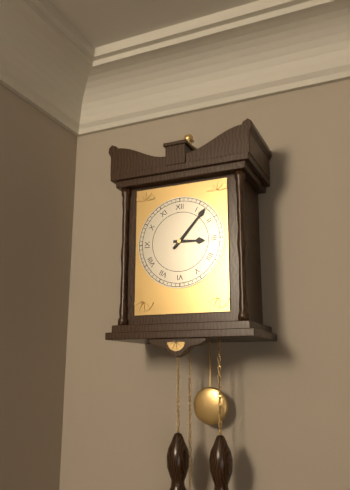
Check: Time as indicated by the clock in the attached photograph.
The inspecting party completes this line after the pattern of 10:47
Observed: 3:07
